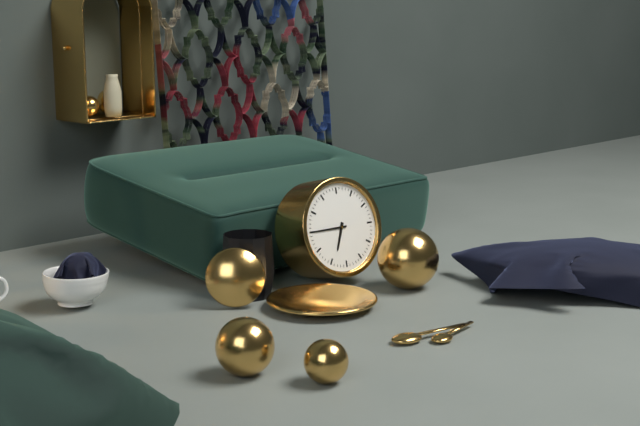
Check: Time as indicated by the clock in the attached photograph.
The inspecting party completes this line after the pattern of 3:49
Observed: 6:45
